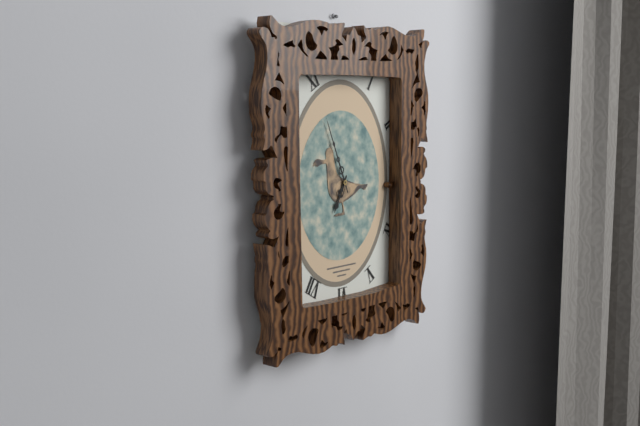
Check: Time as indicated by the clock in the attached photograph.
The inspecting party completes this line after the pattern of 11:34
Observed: 6:56
